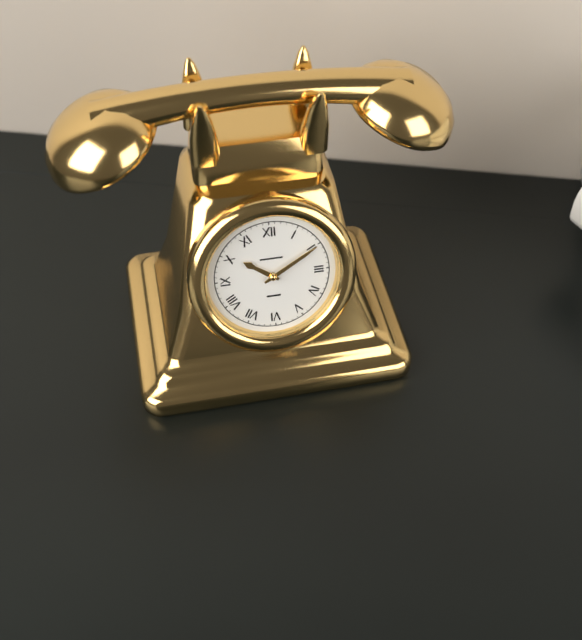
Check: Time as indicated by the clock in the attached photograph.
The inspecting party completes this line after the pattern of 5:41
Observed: 10:10
